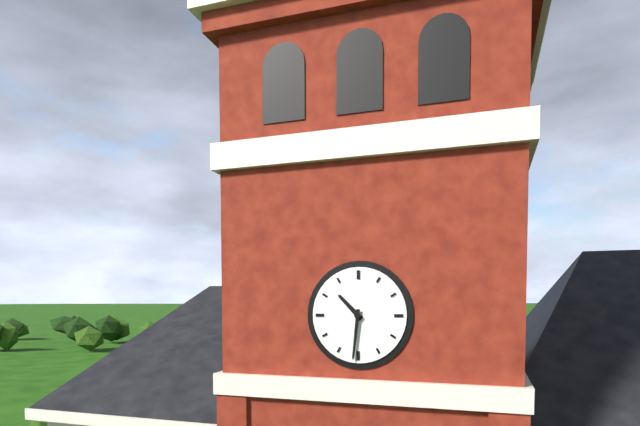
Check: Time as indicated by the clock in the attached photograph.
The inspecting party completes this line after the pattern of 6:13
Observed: 10:31
